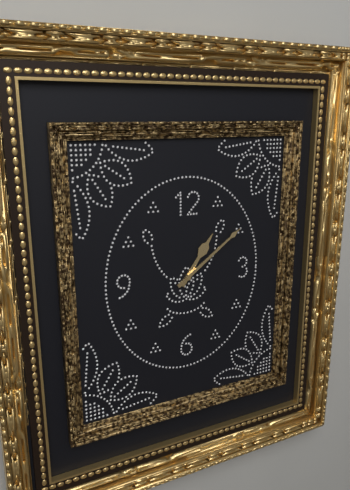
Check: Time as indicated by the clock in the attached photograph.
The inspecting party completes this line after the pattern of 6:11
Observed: 1:09
